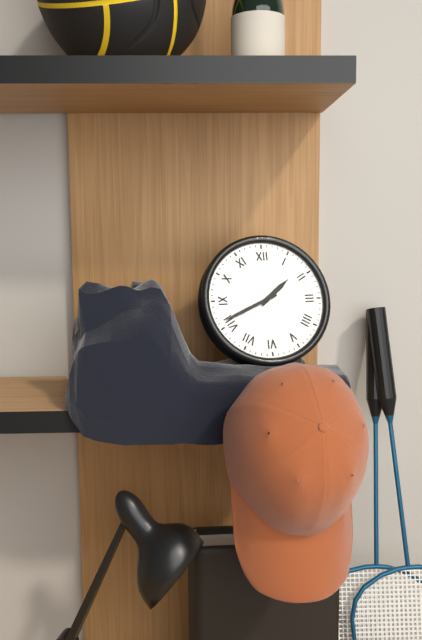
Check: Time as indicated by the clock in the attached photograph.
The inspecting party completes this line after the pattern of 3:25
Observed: 1:41
